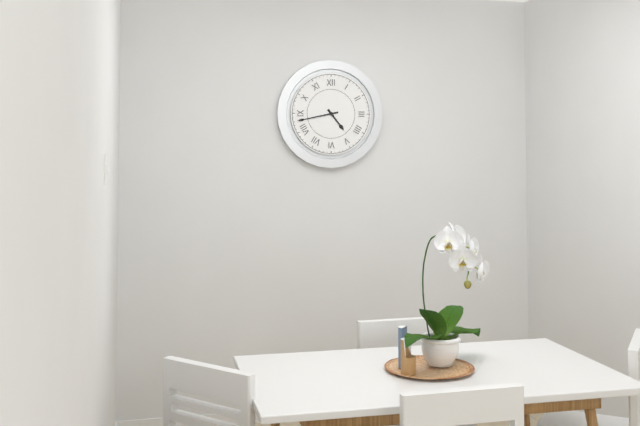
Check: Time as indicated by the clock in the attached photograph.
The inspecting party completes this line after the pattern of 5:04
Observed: 4:43
